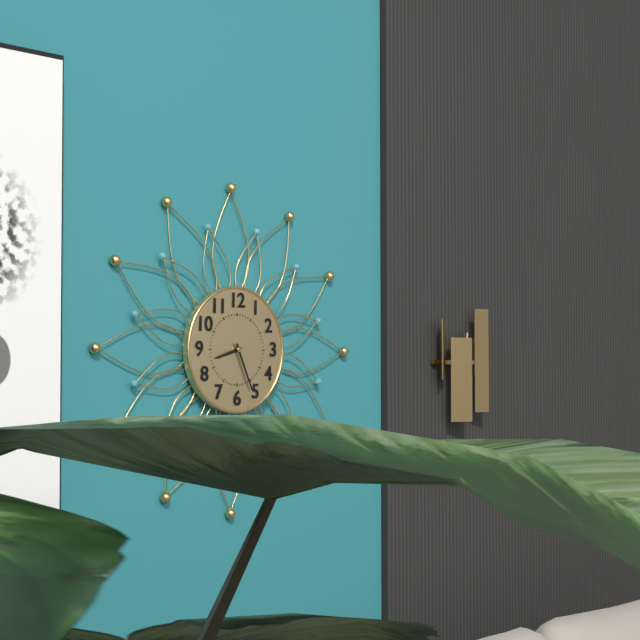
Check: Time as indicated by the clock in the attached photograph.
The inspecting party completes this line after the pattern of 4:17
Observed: 8:26
